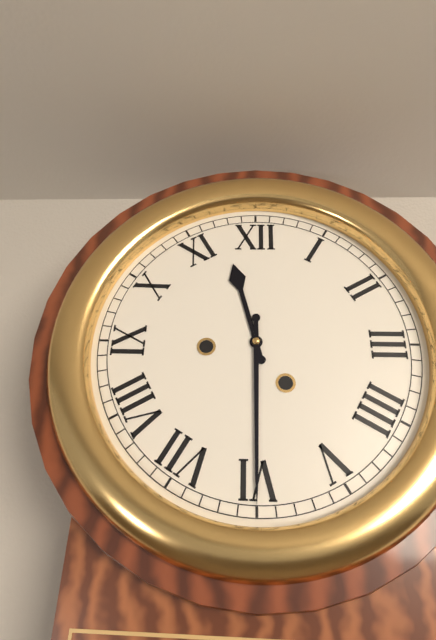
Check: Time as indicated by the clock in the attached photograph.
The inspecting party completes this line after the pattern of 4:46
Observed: 11:30
